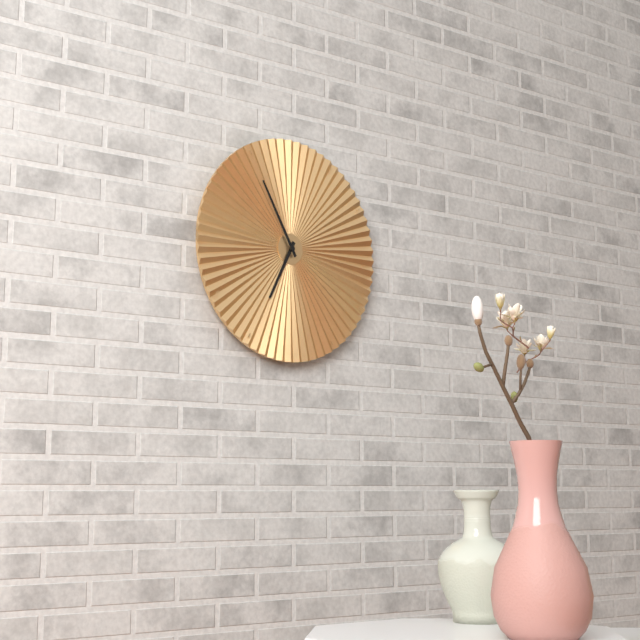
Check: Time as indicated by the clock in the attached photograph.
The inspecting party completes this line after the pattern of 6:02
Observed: 6:55
